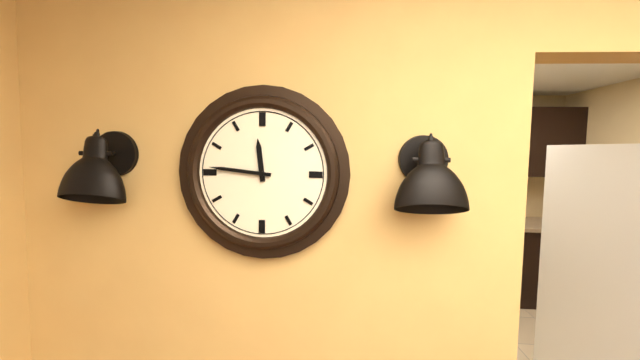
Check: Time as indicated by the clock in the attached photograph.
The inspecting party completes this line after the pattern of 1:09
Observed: 11:46
